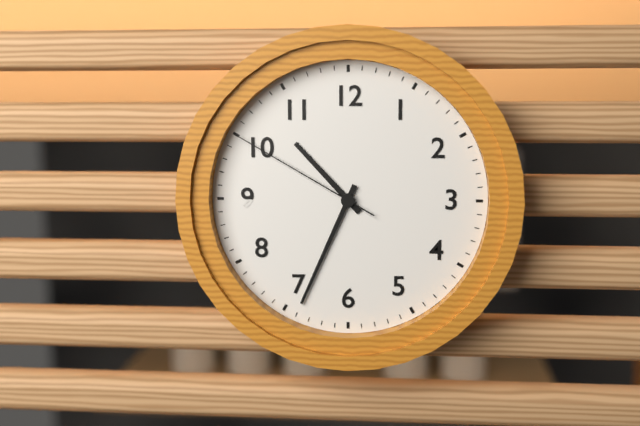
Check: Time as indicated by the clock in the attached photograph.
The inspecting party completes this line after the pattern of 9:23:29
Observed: 10:34:50
